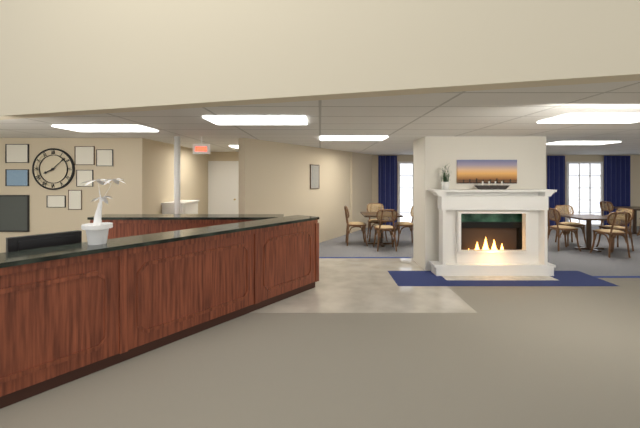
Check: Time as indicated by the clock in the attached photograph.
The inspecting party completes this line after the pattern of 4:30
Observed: 8:08
